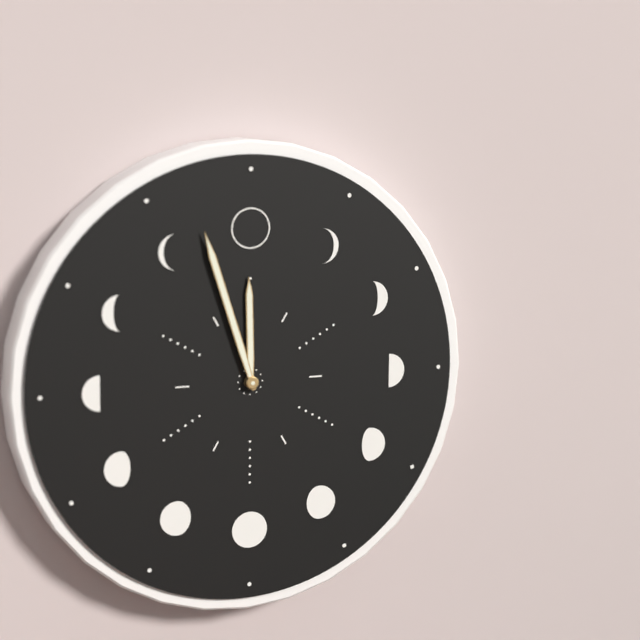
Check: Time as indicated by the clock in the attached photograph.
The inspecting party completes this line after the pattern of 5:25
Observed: 11:57
